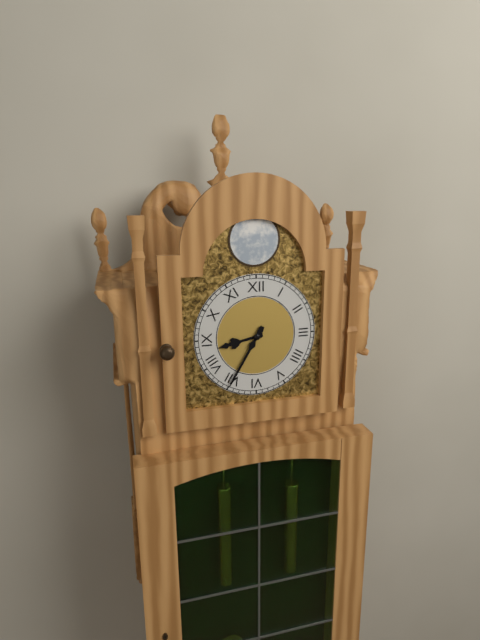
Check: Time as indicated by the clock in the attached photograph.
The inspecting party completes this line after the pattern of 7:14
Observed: 8:35
